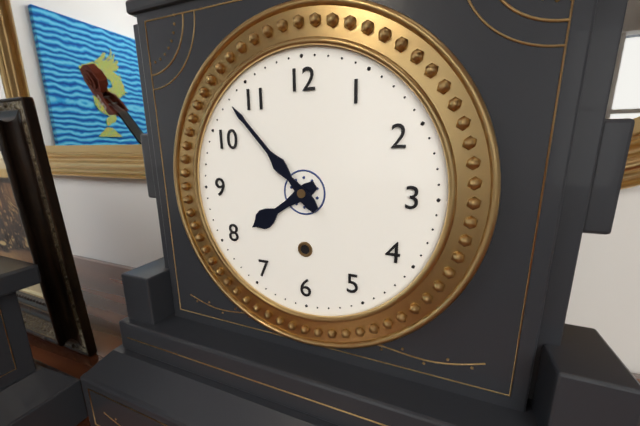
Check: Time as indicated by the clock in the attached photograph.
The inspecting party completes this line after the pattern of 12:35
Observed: 7:53
